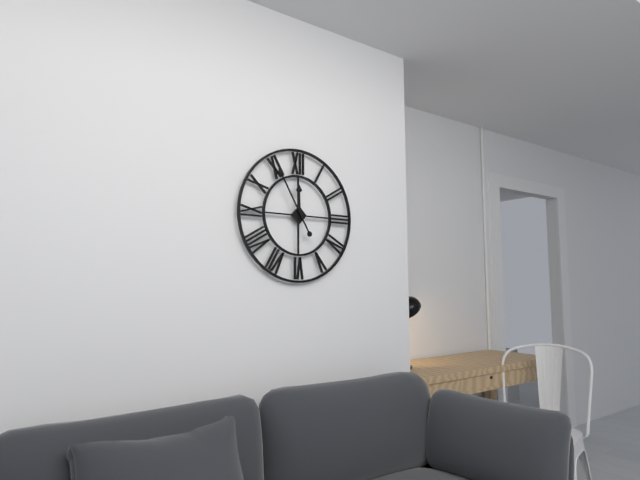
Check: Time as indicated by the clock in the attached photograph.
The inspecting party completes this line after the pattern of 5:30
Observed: 11:55
